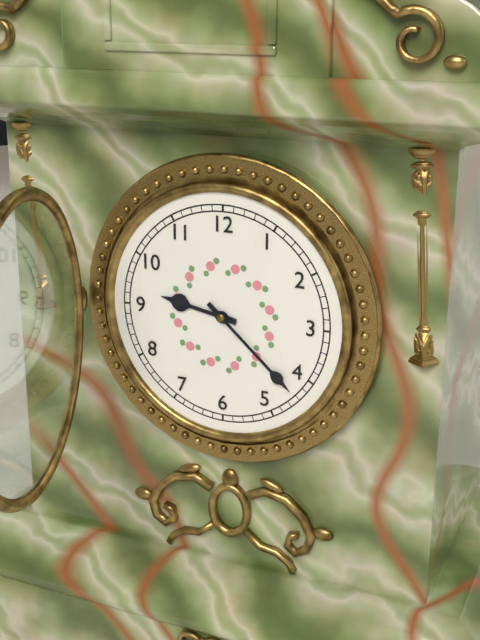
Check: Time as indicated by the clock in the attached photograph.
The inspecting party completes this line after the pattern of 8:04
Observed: 9:22
